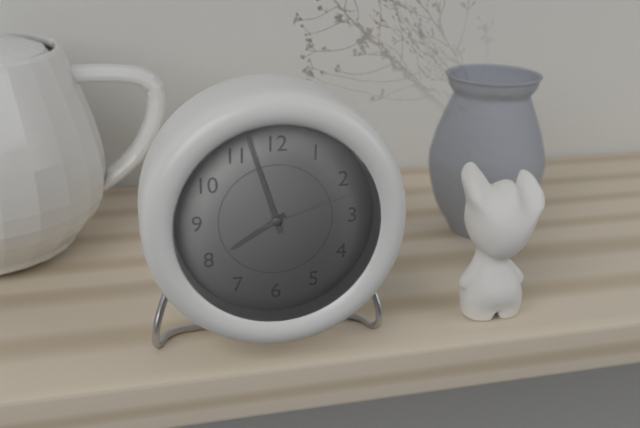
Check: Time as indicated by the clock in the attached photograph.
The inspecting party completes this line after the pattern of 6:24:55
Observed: 7:57:12
